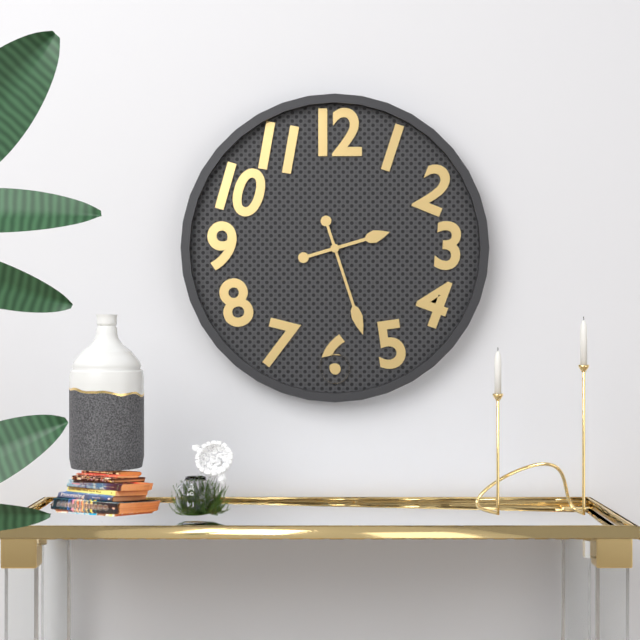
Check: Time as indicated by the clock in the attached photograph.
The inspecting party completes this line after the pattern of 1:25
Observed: 2:27
